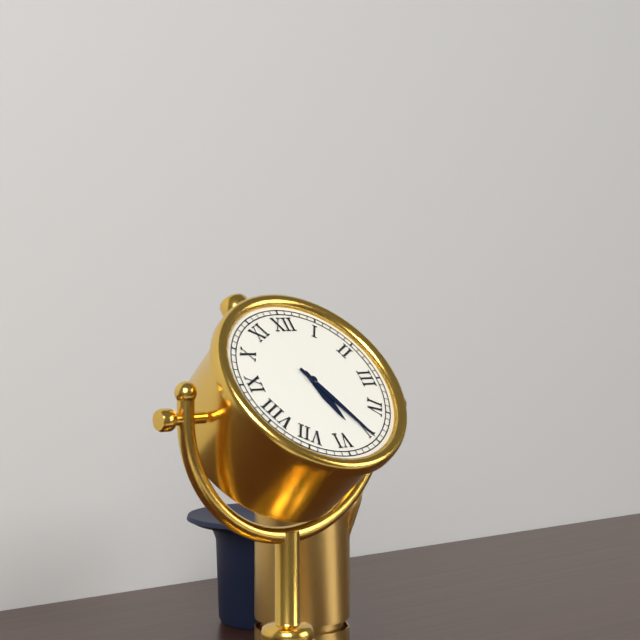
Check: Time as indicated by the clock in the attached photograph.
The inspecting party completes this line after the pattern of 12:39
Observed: 5:25
